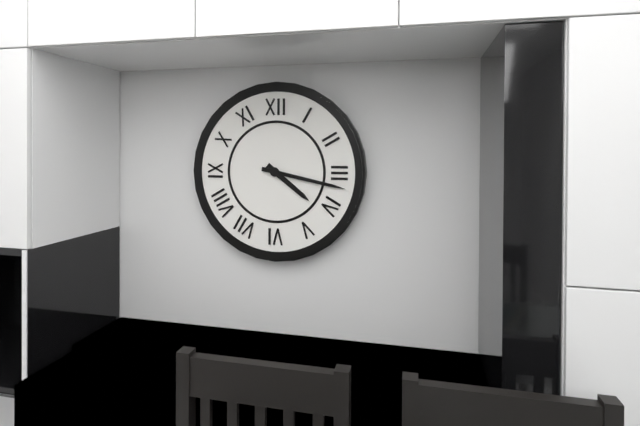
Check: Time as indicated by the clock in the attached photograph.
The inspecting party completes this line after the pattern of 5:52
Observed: 4:17
